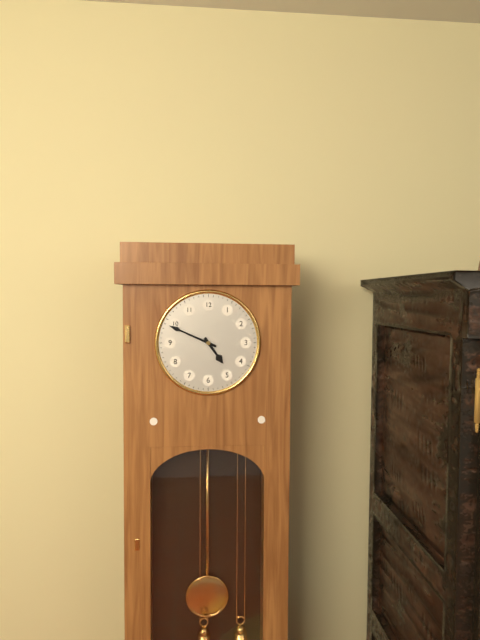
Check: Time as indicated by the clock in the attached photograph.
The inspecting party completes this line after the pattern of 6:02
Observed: 4:49
